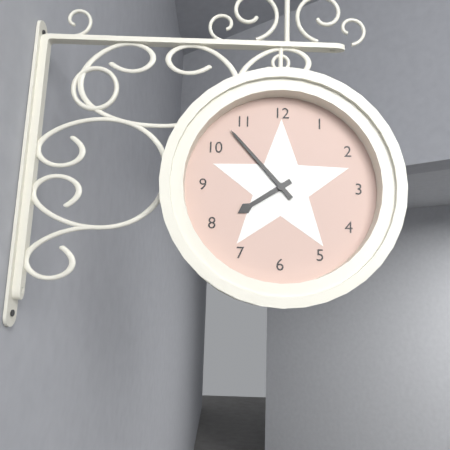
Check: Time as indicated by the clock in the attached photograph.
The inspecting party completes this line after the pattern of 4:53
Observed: 7:53
